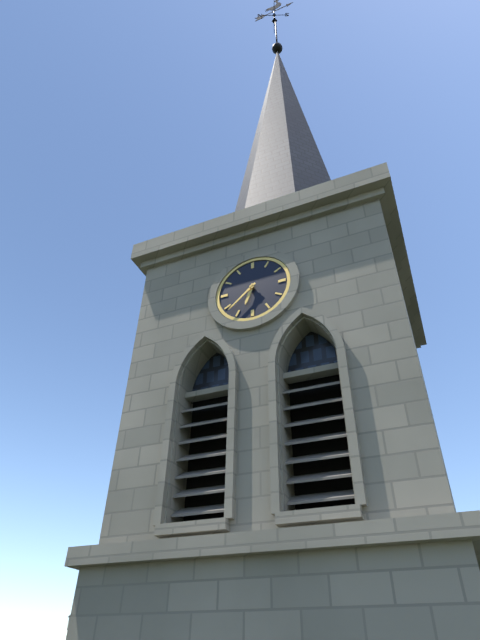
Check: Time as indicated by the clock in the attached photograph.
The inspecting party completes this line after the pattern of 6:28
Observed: 6:38
